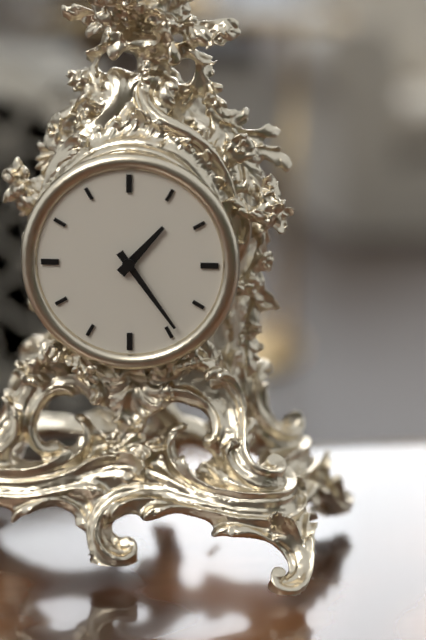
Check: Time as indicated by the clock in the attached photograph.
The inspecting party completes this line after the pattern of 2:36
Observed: 1:24
